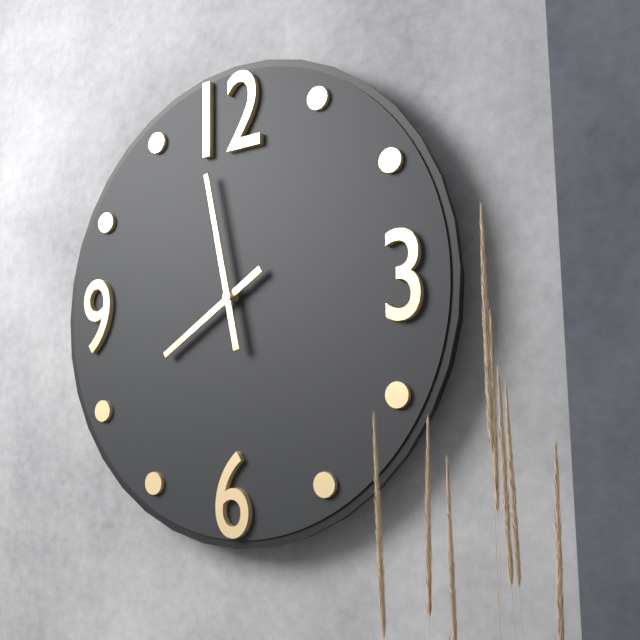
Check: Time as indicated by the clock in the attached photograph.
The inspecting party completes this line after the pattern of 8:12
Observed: 7:58
